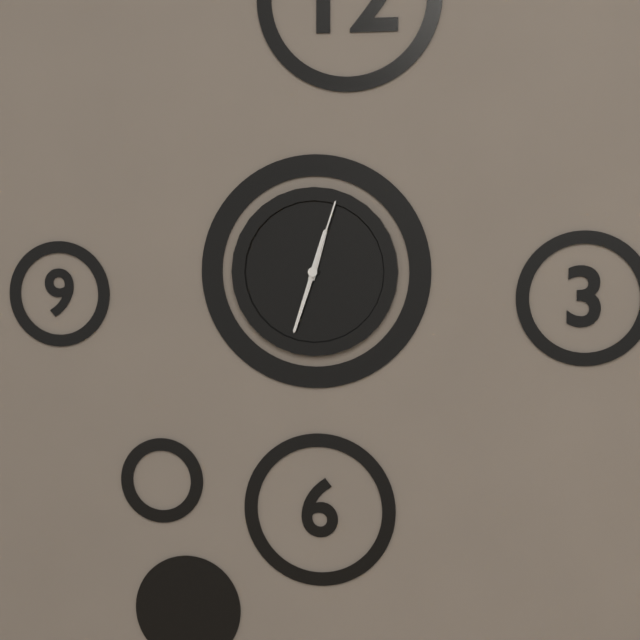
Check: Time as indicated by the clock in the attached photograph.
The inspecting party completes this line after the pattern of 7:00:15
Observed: 12:33:03
